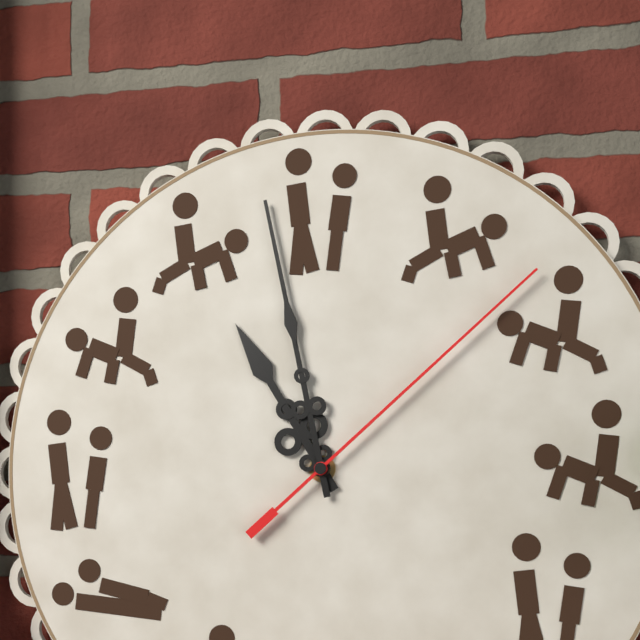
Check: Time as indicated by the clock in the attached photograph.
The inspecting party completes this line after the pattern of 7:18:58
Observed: 10:58:08
